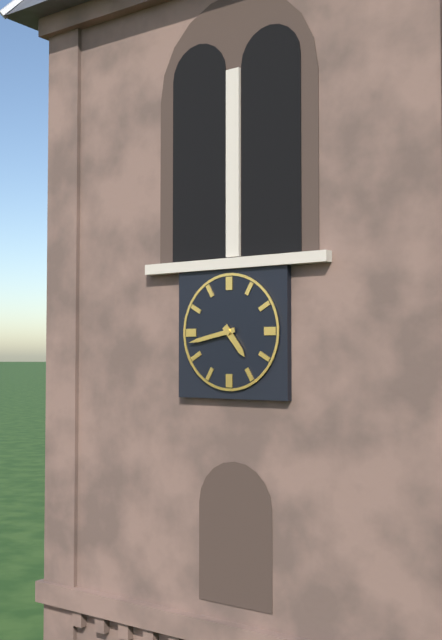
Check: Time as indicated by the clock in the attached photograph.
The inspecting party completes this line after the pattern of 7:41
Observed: 4:43
